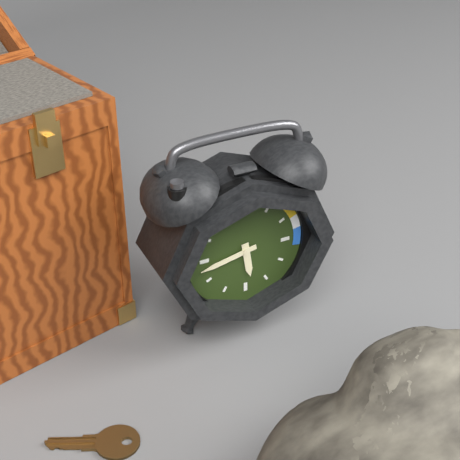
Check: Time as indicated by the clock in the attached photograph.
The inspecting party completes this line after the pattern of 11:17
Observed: 5:43
